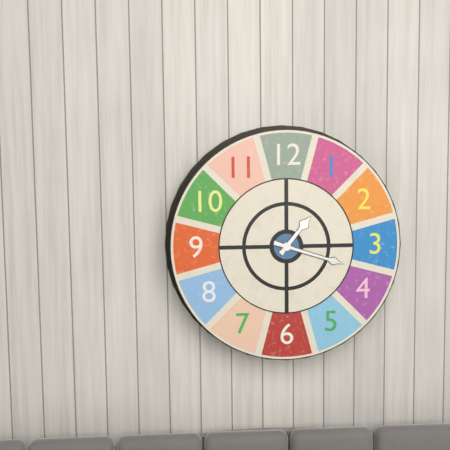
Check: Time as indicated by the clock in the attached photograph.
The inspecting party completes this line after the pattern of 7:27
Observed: 1:18
